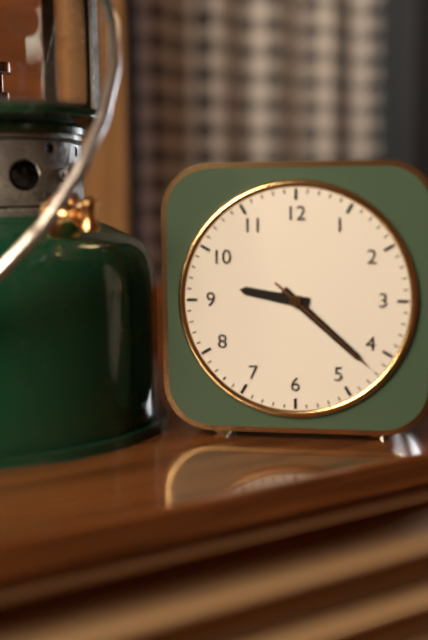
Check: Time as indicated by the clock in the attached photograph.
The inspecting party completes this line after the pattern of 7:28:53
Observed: 9:22:22
